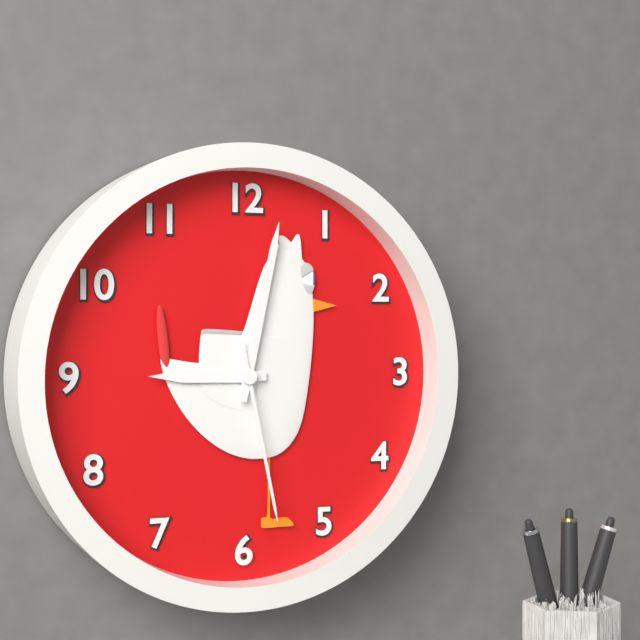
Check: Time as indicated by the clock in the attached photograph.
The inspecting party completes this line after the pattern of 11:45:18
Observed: 9:02:28
